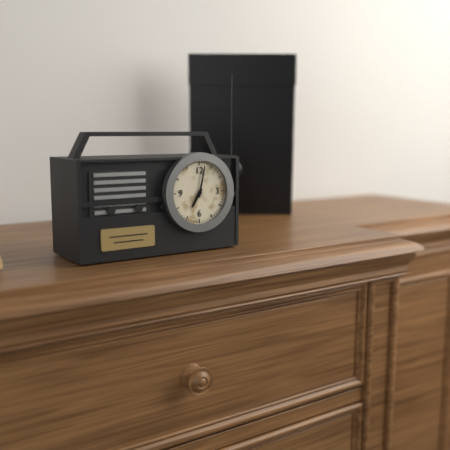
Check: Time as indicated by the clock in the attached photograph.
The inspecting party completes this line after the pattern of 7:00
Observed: 7:02
